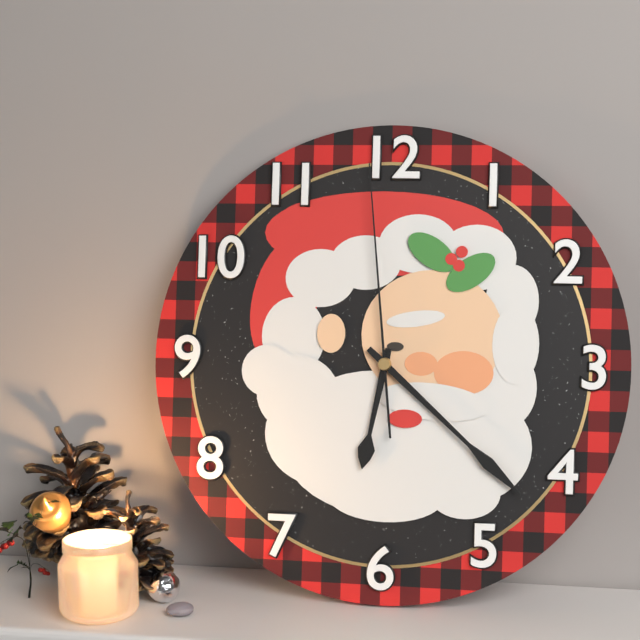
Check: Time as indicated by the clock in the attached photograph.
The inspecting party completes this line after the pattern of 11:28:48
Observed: 6:22:59
